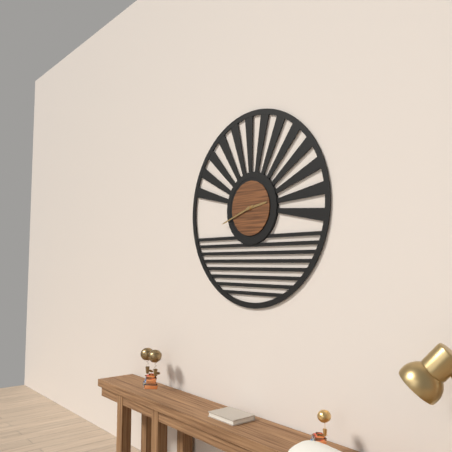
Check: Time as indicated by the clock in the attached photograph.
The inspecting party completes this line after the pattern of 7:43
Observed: 2:42
